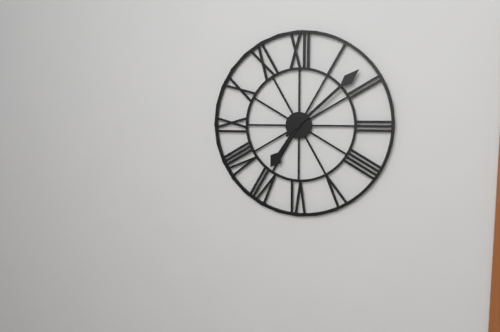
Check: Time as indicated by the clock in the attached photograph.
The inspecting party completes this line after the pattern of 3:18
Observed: 7:08
